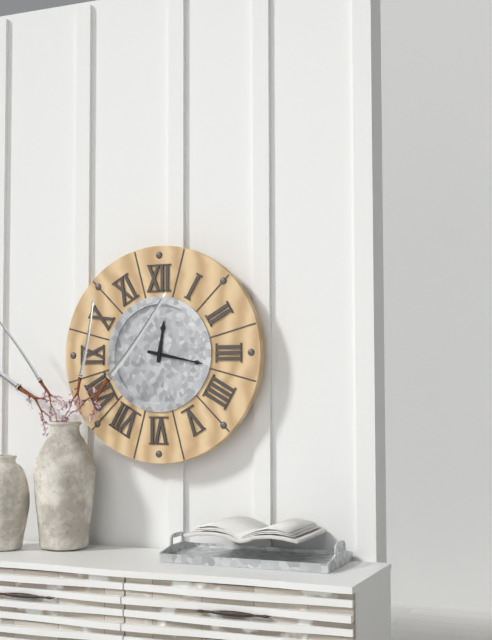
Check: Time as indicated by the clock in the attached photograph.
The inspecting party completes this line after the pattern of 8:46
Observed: 12:17
